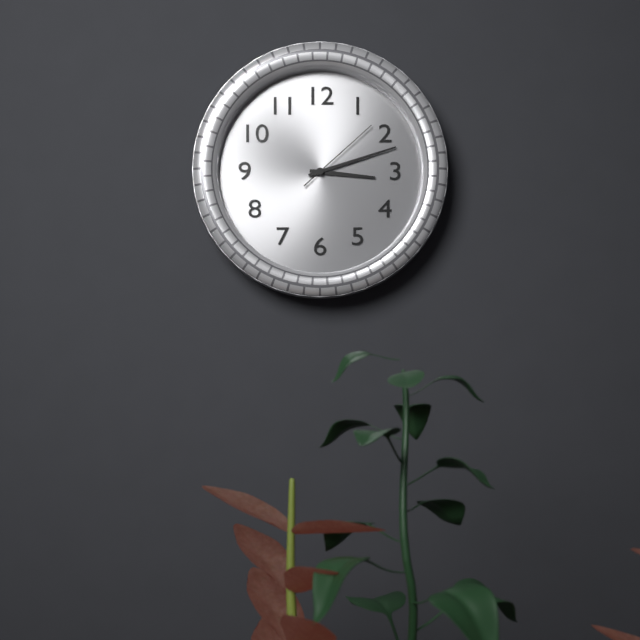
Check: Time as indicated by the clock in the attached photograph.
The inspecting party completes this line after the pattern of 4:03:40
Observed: 3:12:08
